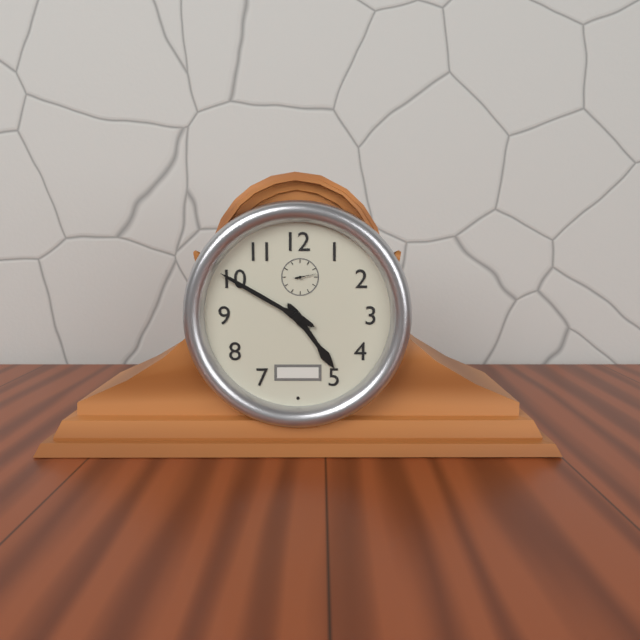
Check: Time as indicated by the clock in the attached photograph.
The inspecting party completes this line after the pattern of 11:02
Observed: 4:50
